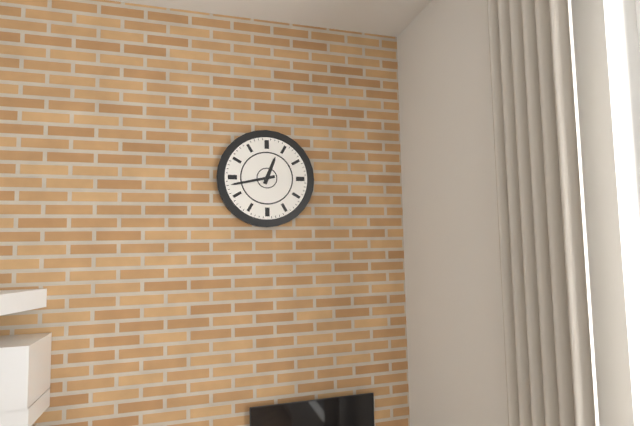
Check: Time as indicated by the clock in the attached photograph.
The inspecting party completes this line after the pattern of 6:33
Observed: 12:43
